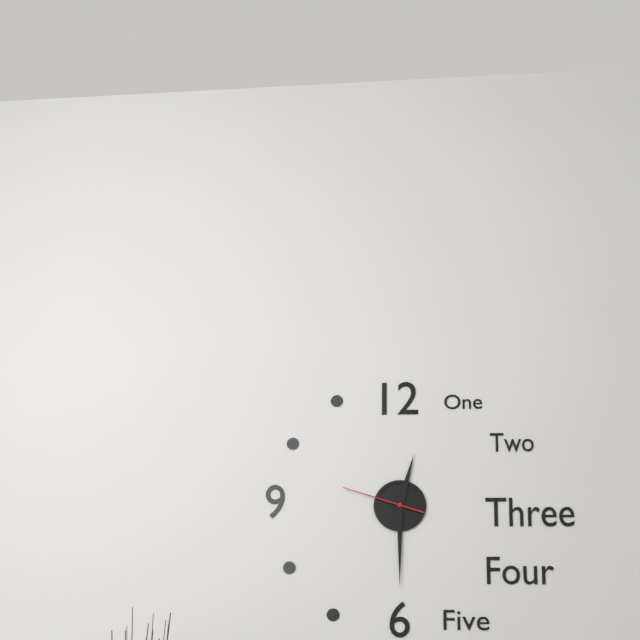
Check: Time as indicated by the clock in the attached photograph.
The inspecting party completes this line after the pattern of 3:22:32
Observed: 12:30:48
